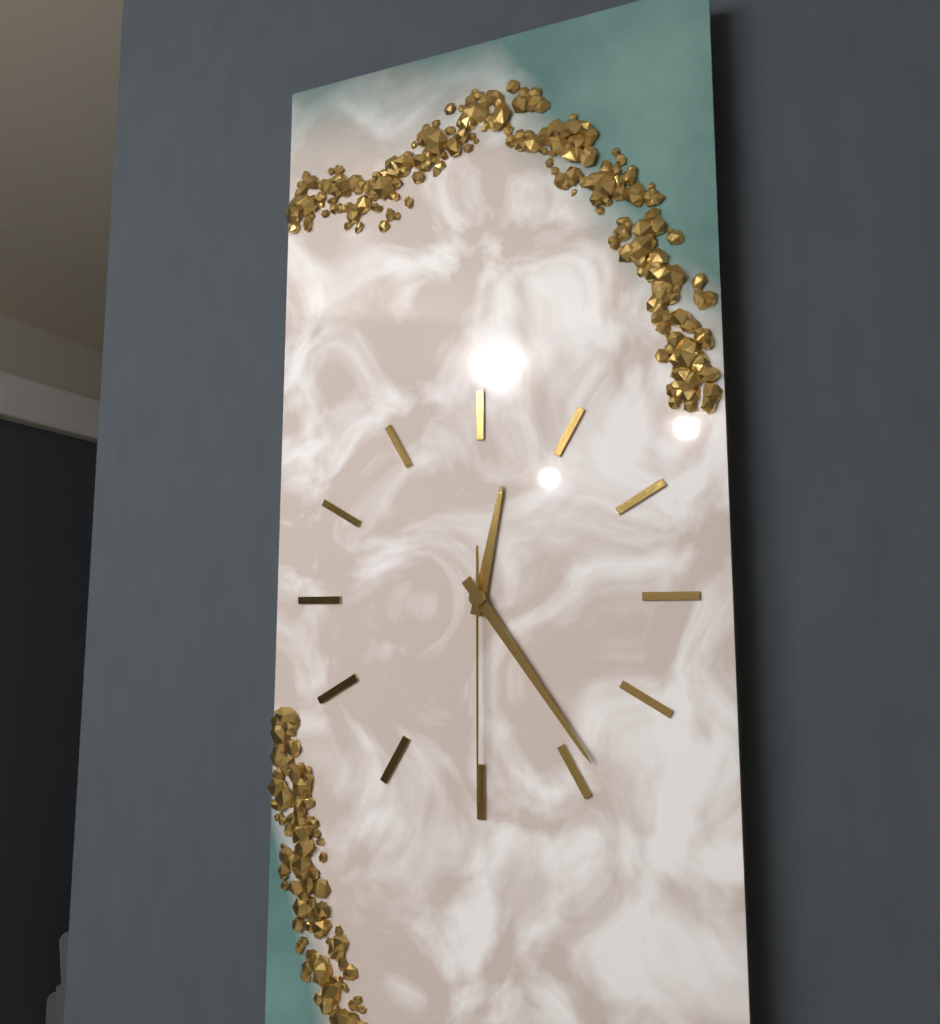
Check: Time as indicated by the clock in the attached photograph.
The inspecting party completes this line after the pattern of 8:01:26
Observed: 12:24:30
